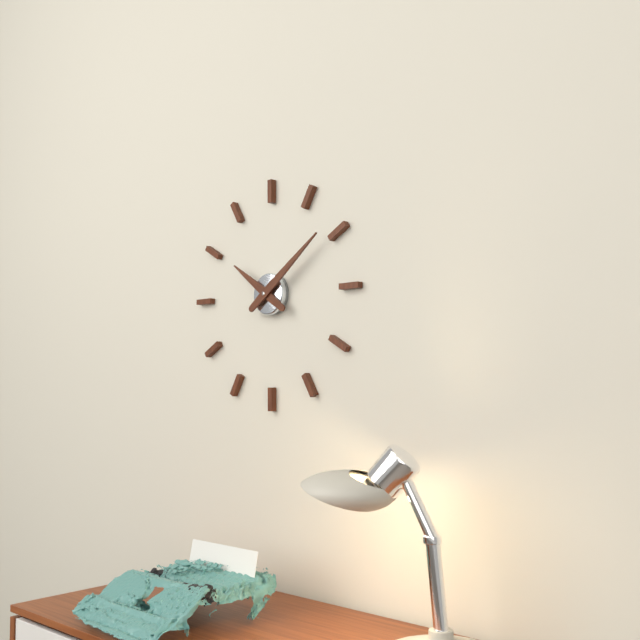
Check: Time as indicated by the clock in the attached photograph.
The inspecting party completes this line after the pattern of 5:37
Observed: 10:09
